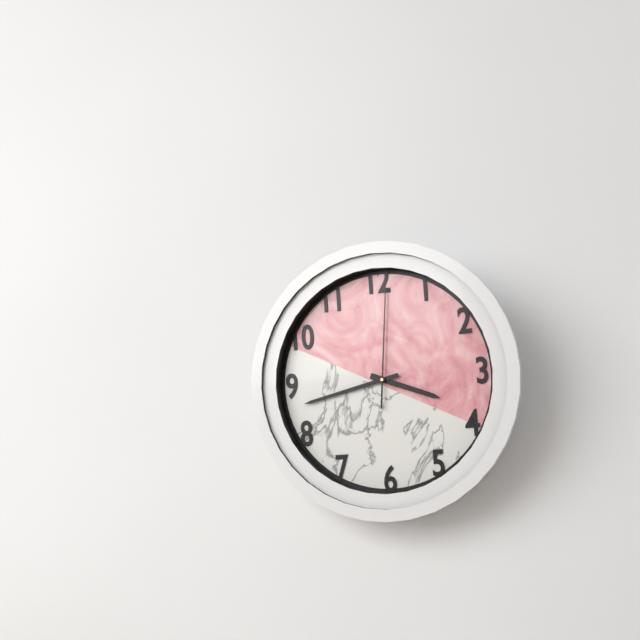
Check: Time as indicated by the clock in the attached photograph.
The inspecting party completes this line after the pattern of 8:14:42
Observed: 3:43:01
